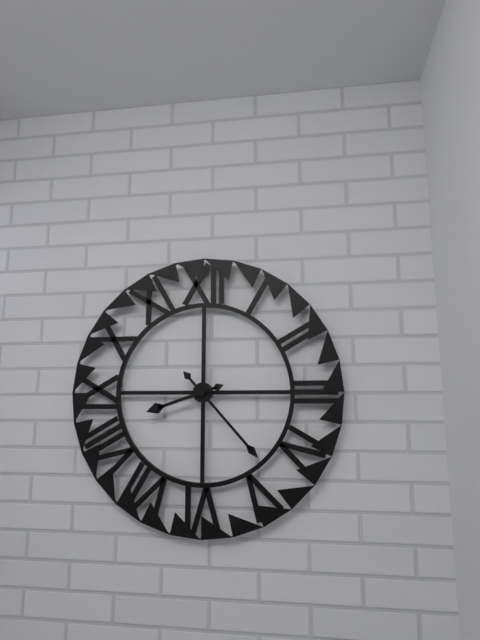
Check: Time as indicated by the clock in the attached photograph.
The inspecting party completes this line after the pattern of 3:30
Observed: 8:23
